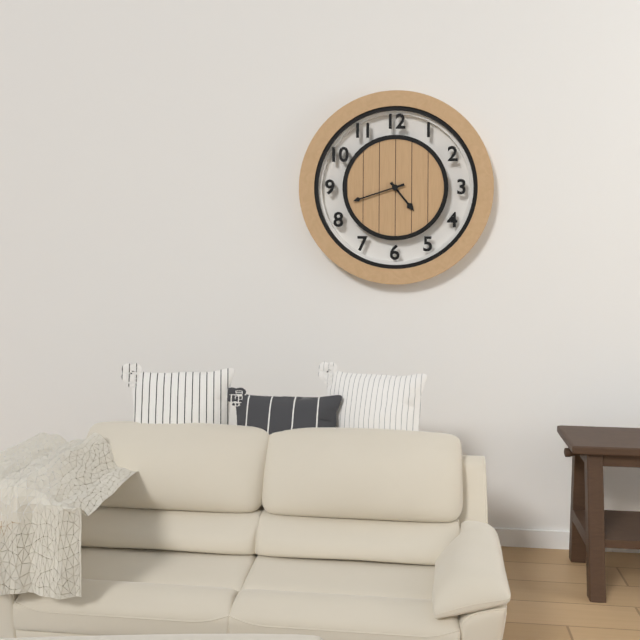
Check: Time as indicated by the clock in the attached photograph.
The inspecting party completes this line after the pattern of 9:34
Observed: 4:42
